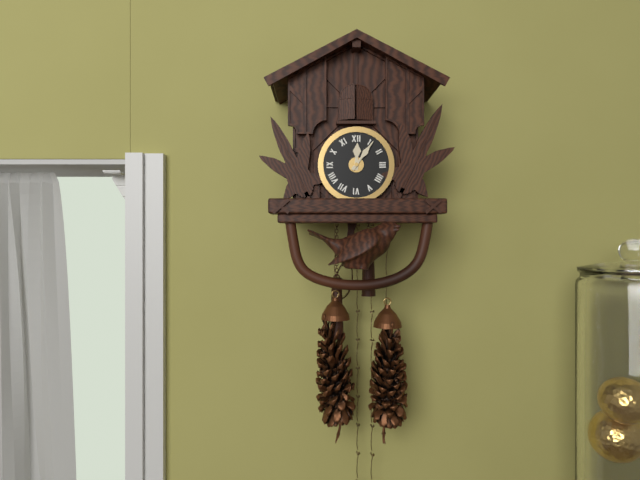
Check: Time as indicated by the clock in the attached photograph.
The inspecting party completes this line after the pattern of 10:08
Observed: 12:06
